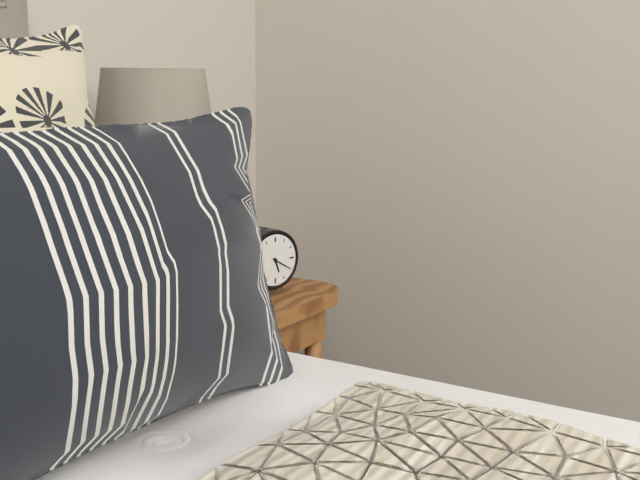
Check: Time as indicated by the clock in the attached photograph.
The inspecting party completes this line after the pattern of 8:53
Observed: 5:20
